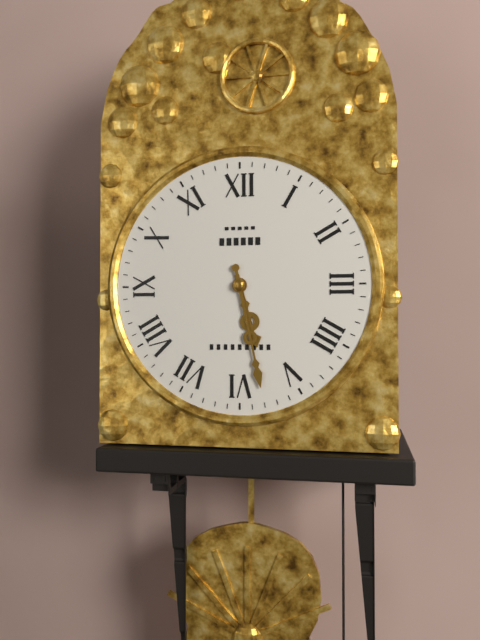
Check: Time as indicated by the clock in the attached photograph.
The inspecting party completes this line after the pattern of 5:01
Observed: 5:28
